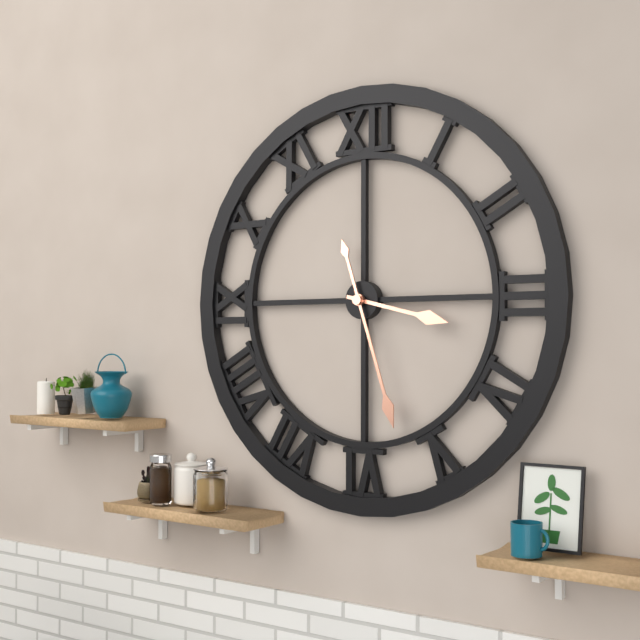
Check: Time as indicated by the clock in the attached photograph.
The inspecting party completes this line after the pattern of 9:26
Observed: 3:27
